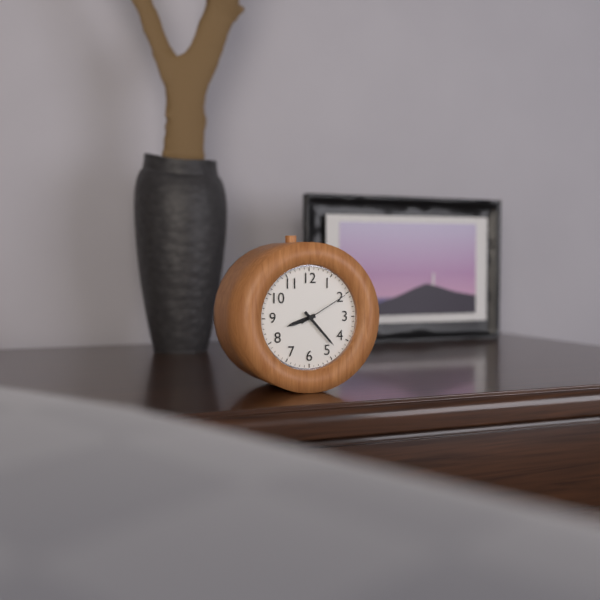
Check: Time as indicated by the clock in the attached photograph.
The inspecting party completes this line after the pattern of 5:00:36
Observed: 8:23:10
